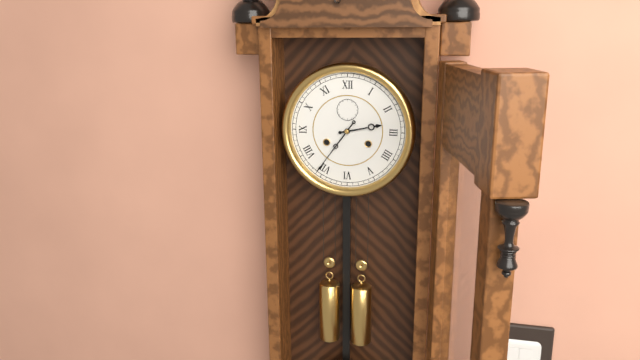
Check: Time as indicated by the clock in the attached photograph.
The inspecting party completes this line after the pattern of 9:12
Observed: 2:36
